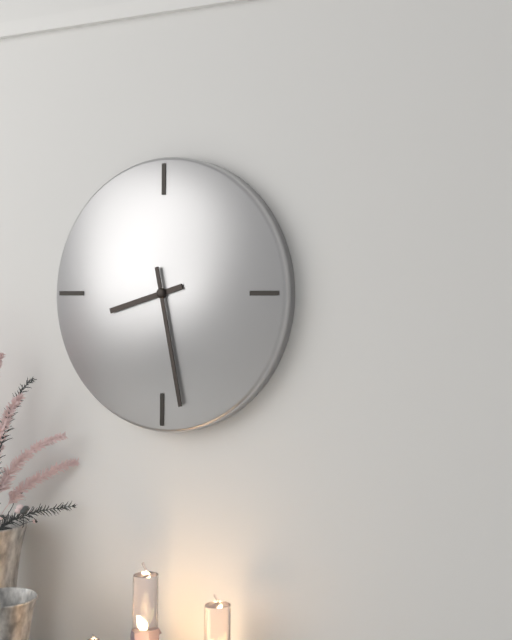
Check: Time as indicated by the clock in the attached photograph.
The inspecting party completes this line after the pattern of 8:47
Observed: 8:28
